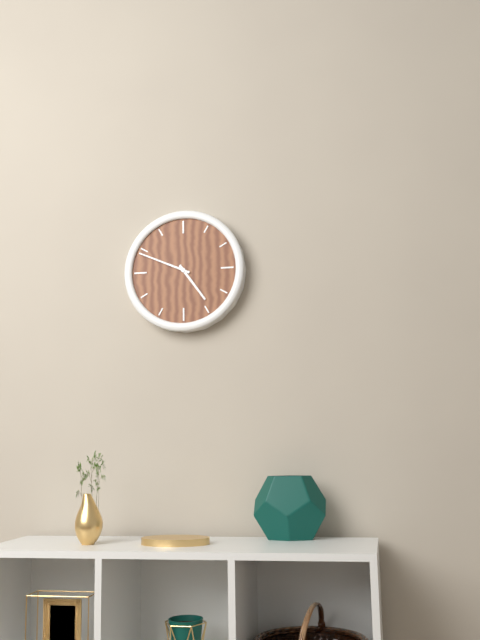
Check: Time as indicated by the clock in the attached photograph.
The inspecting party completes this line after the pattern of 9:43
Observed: 4:49
